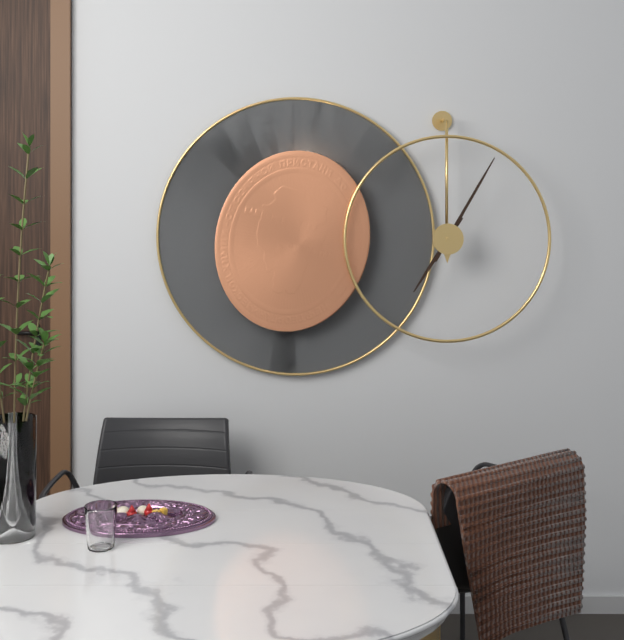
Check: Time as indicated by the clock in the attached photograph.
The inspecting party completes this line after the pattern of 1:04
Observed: 7:05
